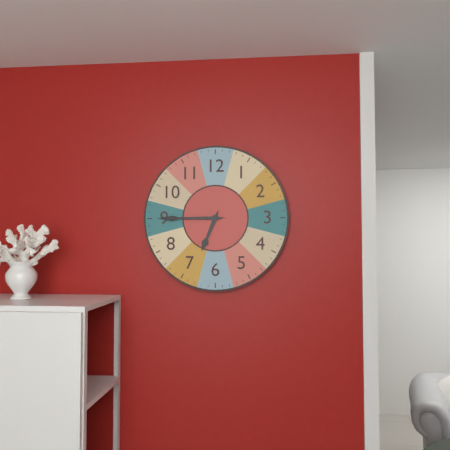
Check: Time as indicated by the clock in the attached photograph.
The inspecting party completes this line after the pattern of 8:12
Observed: 6:45
